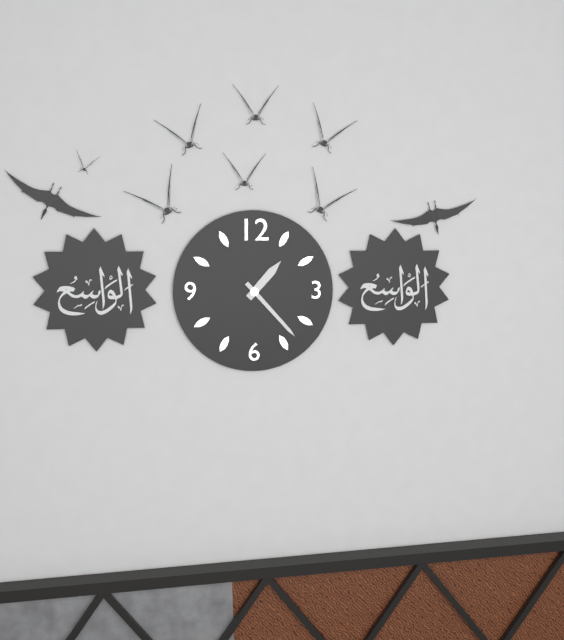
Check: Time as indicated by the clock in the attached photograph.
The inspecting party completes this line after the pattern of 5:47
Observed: 1:23
